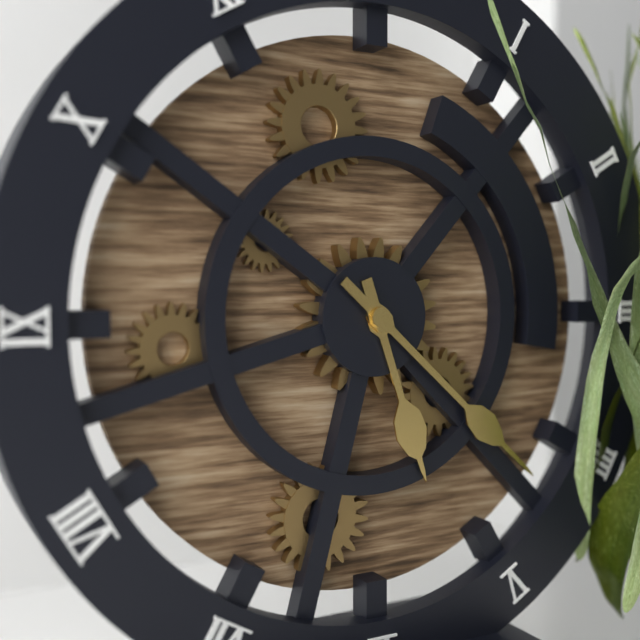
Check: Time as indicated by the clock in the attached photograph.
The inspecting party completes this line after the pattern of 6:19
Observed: 5:22
